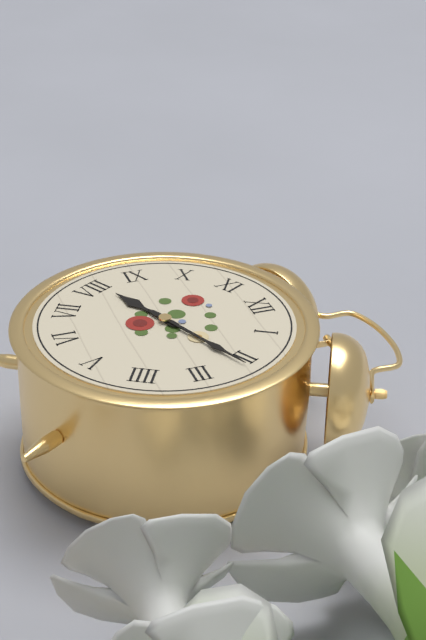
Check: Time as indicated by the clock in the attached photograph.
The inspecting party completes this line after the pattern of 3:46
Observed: 8:11
